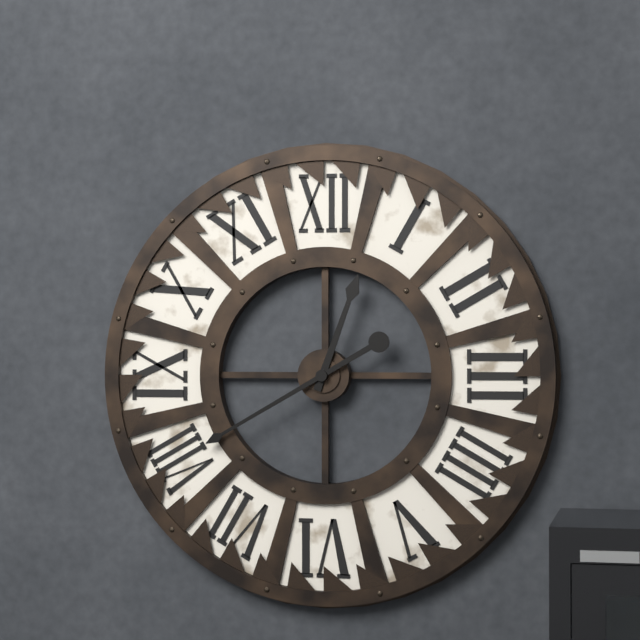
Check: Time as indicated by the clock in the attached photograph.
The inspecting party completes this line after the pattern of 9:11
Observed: 12:40
